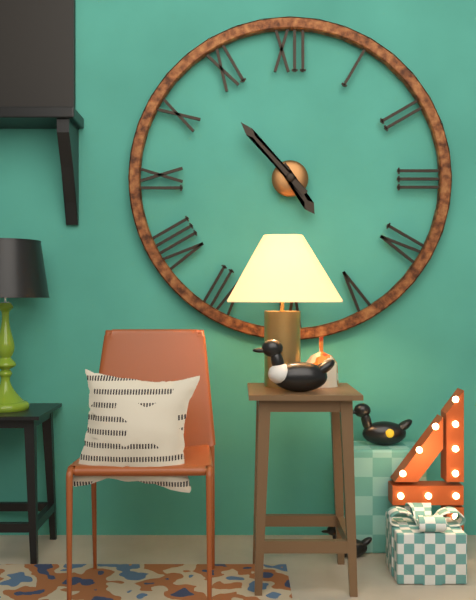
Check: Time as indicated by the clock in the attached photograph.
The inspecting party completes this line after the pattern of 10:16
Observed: 4:53
